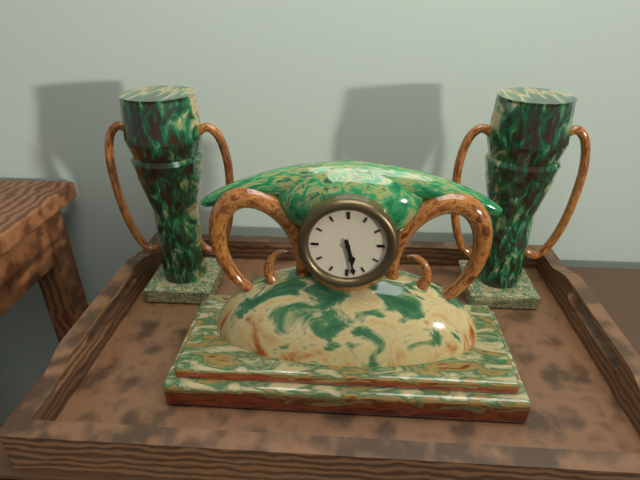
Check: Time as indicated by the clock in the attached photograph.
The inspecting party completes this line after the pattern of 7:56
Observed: 5:28
